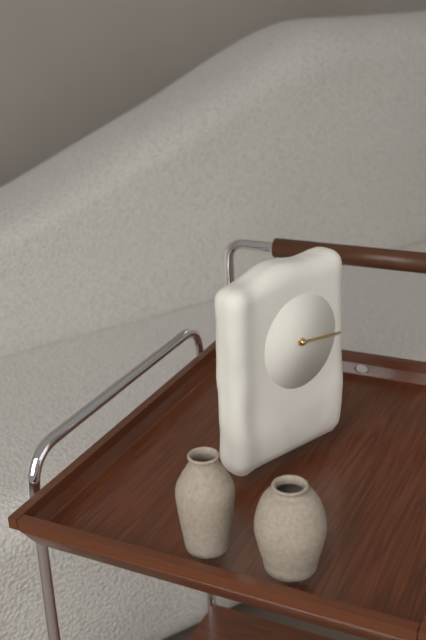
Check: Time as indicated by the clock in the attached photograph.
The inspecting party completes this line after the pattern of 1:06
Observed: 3:16
